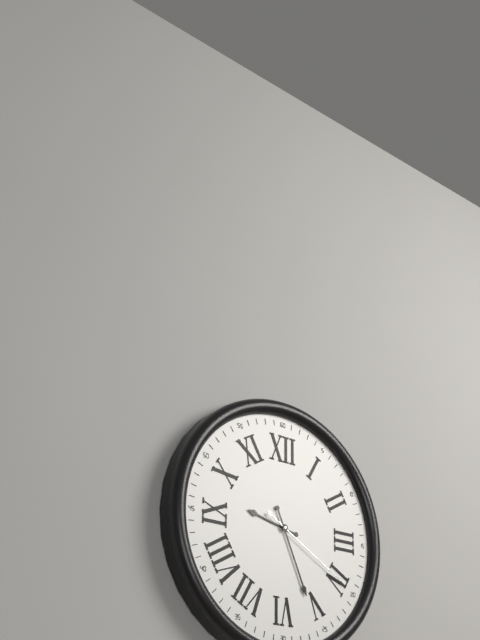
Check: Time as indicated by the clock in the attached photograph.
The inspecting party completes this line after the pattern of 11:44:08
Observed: 9:26:20
